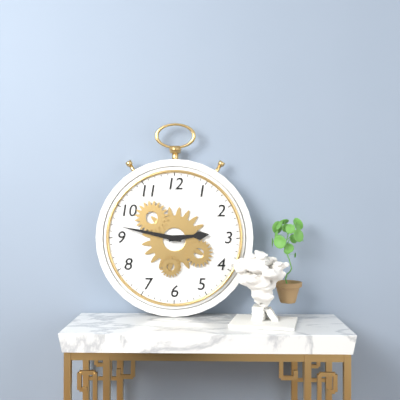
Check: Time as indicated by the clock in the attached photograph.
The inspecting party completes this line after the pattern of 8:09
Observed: 2:47
